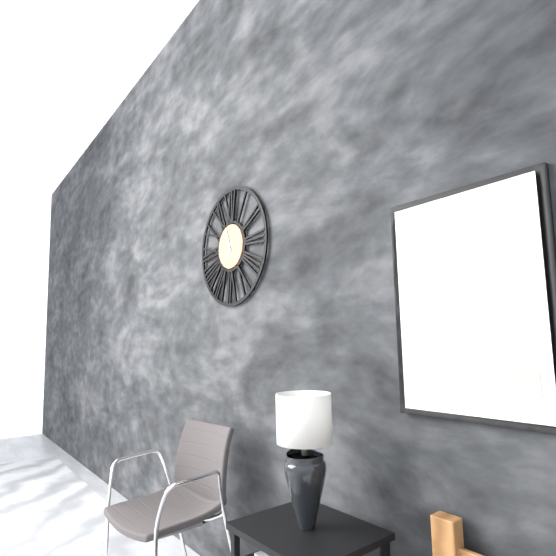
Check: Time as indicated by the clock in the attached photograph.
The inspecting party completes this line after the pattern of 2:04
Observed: 6:57
